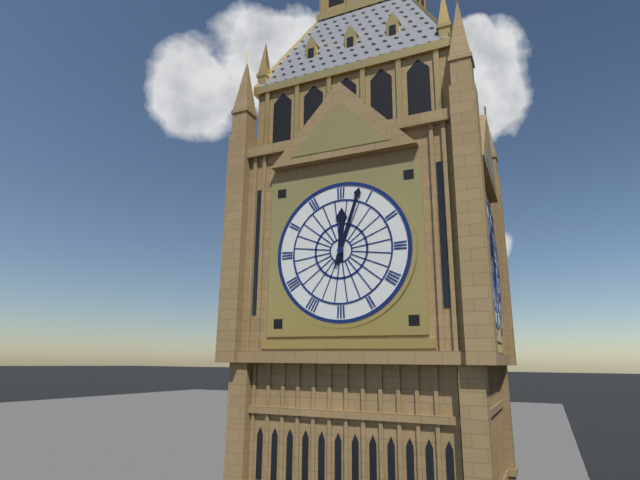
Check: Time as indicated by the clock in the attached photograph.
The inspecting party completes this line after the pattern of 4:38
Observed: 12:03
